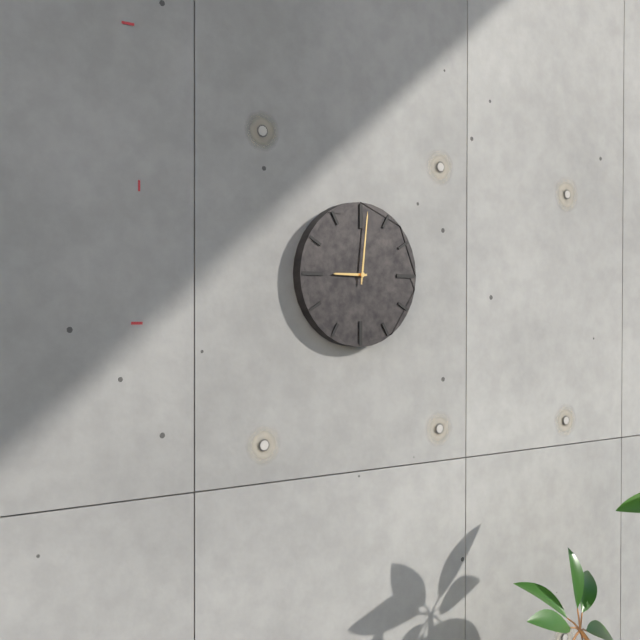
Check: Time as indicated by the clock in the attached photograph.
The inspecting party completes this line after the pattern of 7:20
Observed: 9:01
